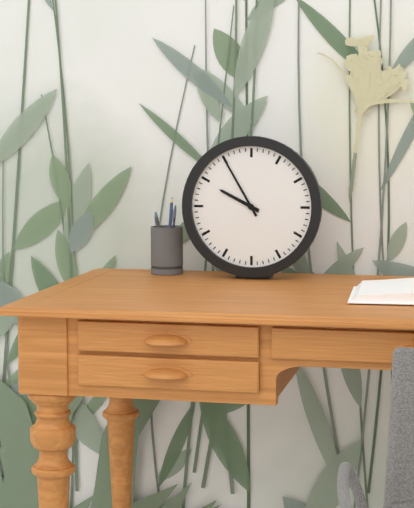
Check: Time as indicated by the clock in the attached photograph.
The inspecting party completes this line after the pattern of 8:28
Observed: 9:55
